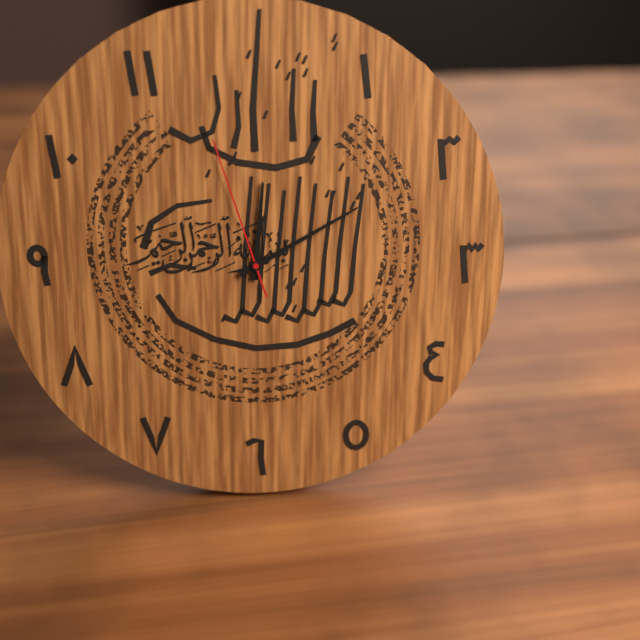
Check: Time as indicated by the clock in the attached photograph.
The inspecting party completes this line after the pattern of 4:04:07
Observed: 12:10:57
